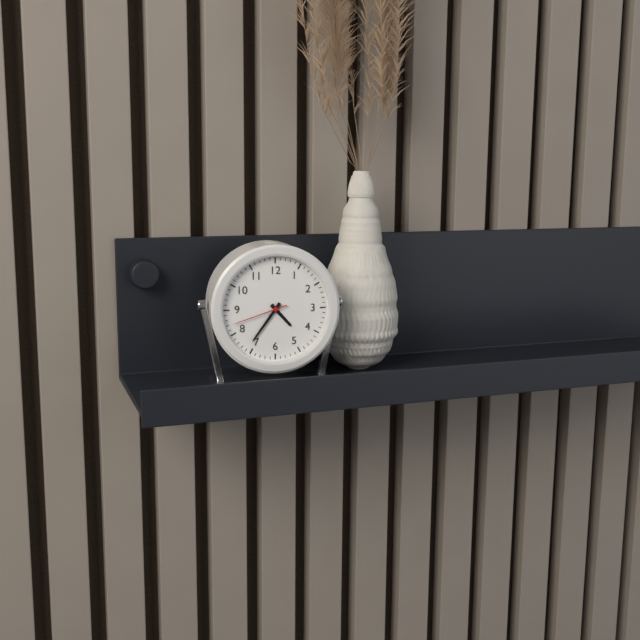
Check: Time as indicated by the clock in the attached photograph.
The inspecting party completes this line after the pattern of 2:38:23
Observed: 4:36:42
